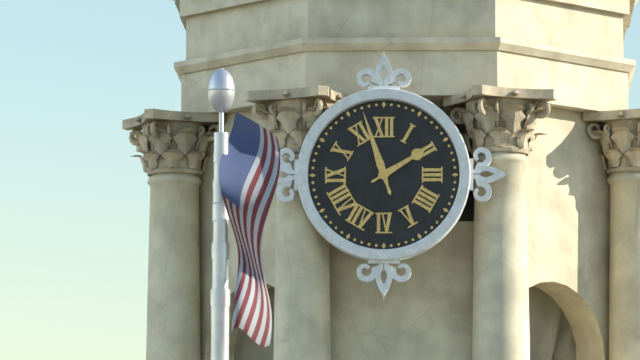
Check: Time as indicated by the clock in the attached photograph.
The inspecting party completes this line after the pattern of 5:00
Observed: 1:57
